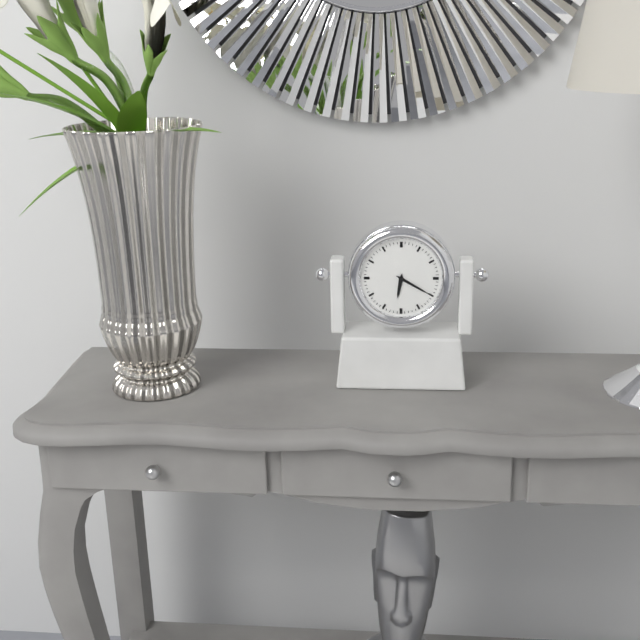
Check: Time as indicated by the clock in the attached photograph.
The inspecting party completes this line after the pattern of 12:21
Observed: 6:20
